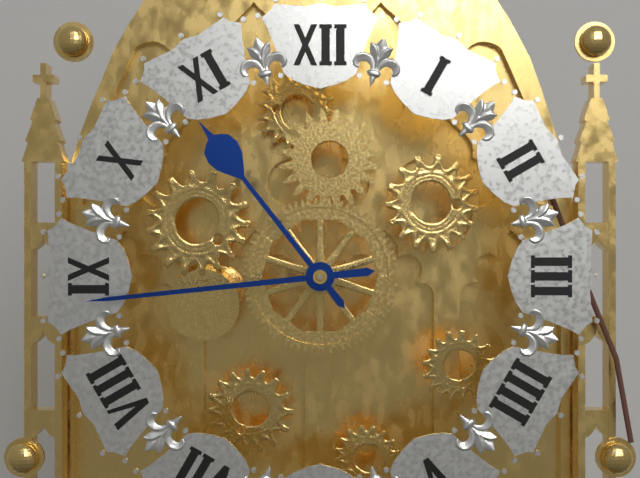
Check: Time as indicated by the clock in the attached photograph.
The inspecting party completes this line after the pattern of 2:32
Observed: 10:44
